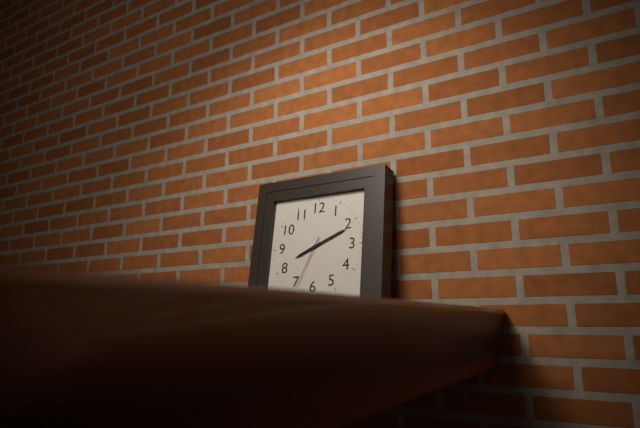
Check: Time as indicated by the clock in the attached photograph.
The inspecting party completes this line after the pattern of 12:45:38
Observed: 8:11:34
